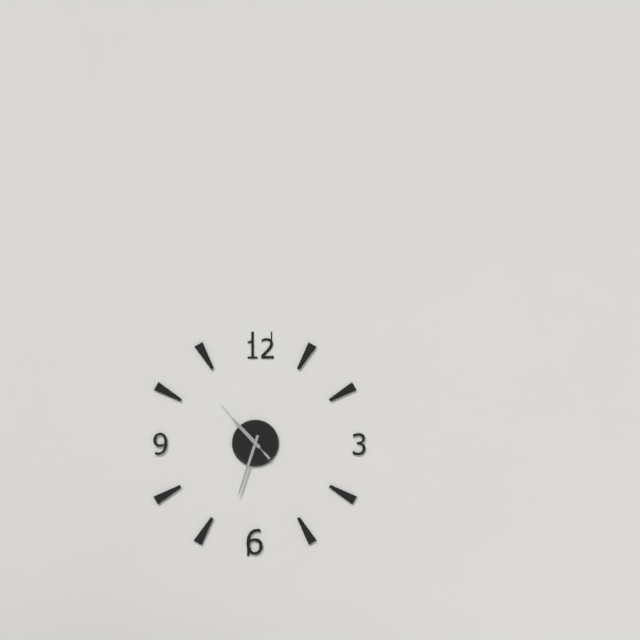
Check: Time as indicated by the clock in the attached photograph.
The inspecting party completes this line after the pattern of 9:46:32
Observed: 10:33:53
